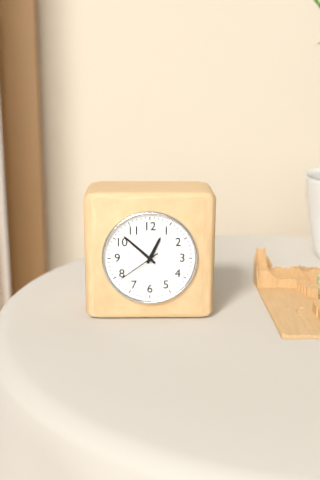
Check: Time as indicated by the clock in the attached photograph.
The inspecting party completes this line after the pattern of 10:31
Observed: 12:52
